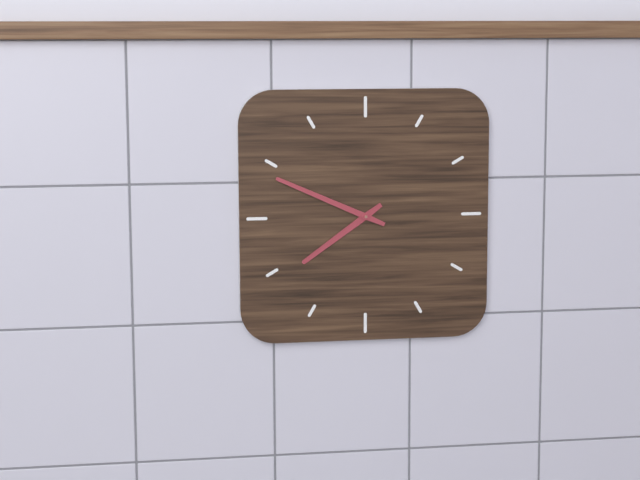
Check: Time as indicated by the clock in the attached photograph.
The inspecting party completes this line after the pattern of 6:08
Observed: 7:49
